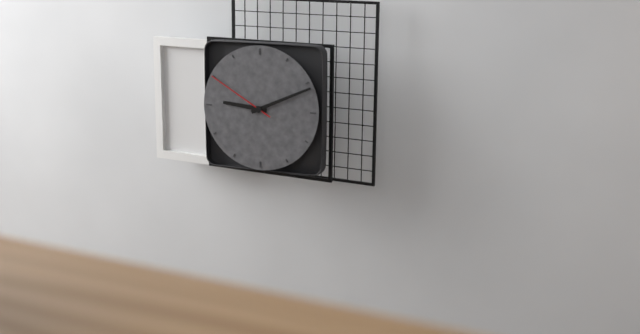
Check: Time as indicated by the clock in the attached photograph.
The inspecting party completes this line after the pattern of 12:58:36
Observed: 9:11:50
